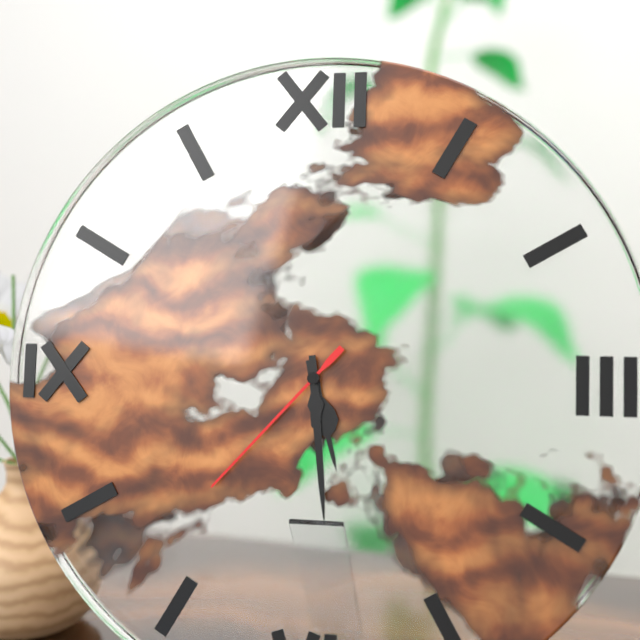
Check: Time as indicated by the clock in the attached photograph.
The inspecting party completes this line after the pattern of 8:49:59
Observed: 5:29:37
